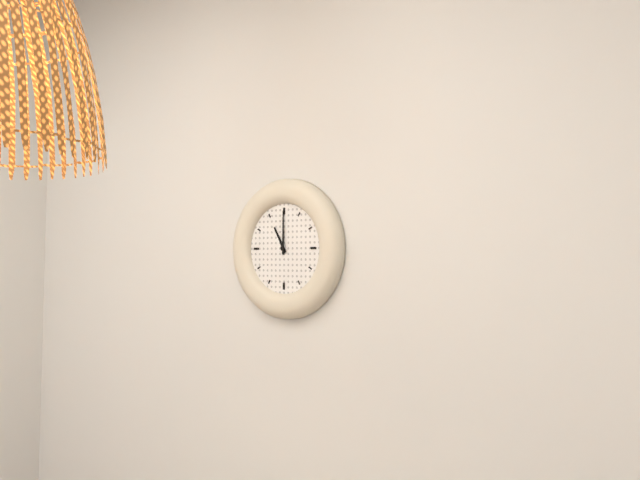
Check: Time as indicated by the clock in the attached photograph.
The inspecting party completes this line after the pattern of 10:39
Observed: 11:00
